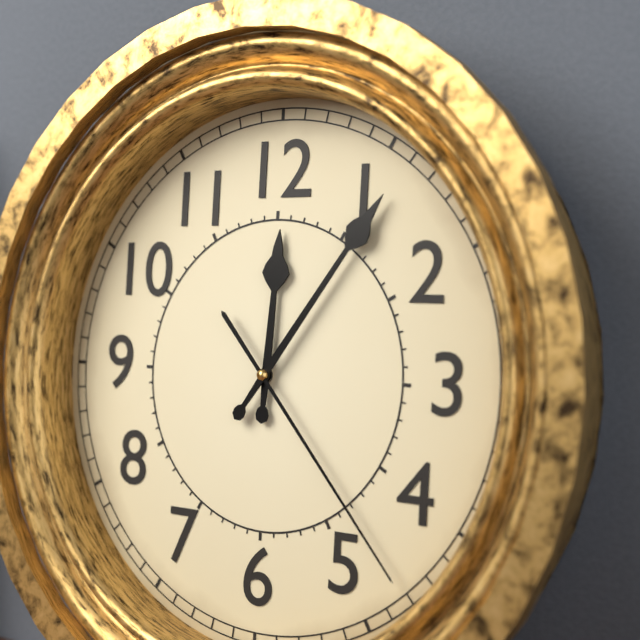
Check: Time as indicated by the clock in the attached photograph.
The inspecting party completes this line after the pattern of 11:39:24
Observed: 12:06:23
